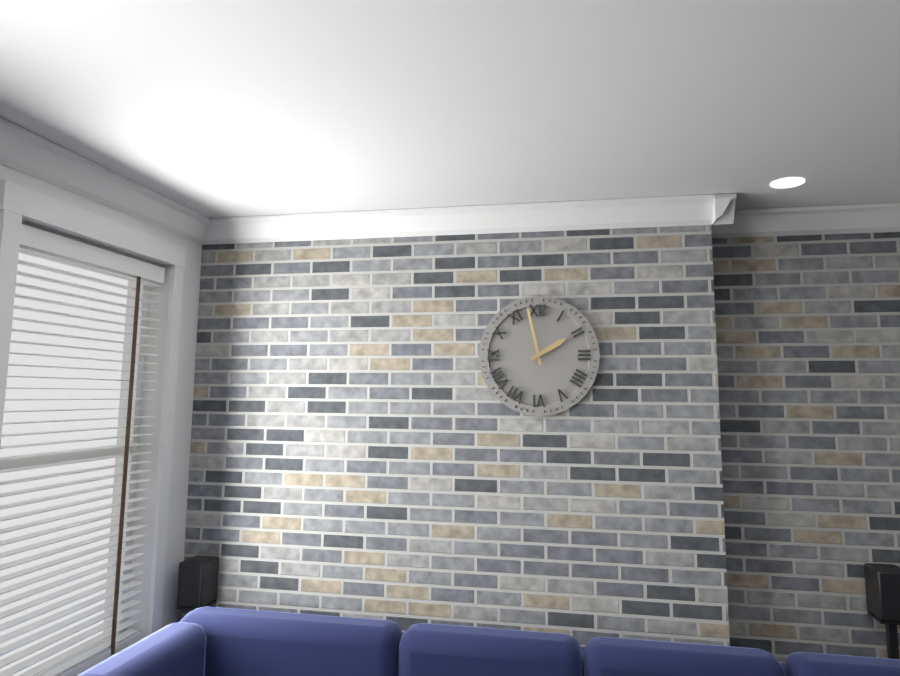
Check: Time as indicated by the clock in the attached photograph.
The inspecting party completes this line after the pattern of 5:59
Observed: 1:58
